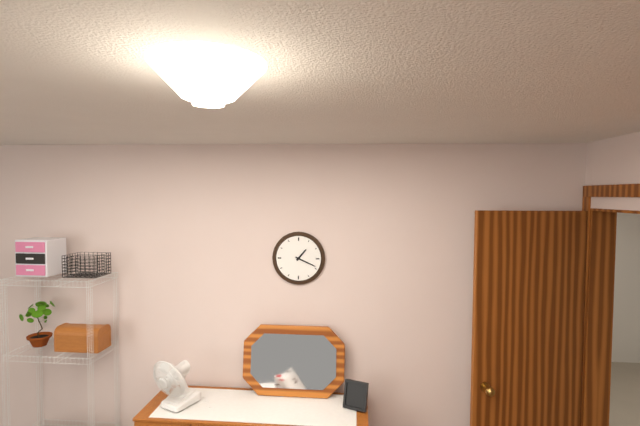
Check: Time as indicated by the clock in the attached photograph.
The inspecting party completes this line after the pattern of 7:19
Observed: 1:19
